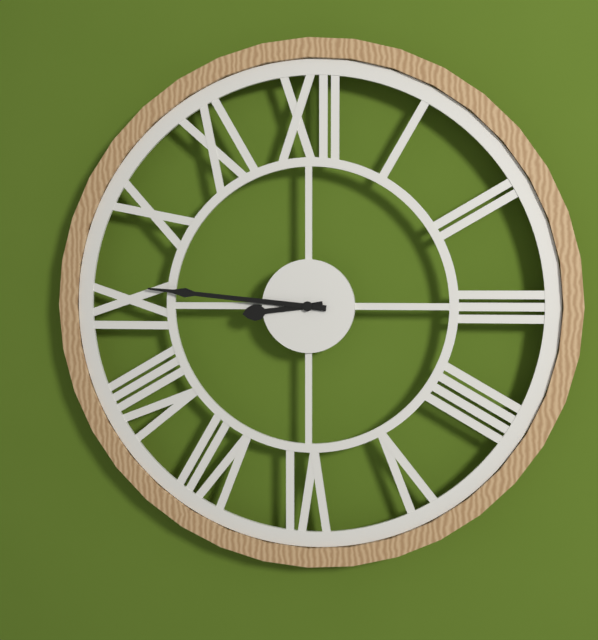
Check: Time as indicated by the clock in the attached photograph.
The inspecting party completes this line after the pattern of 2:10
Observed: 8:46
